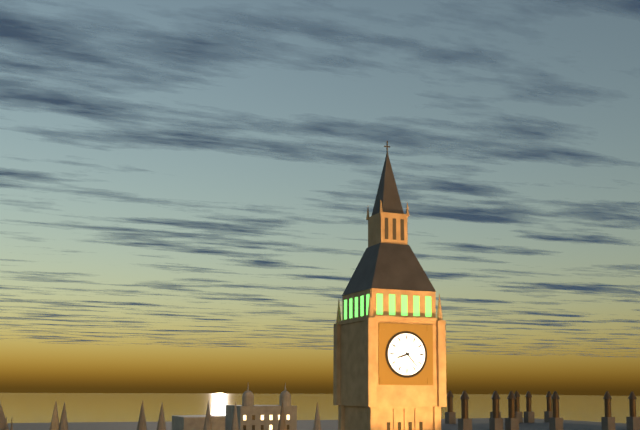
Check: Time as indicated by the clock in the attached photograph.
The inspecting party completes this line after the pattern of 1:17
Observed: 8:23
